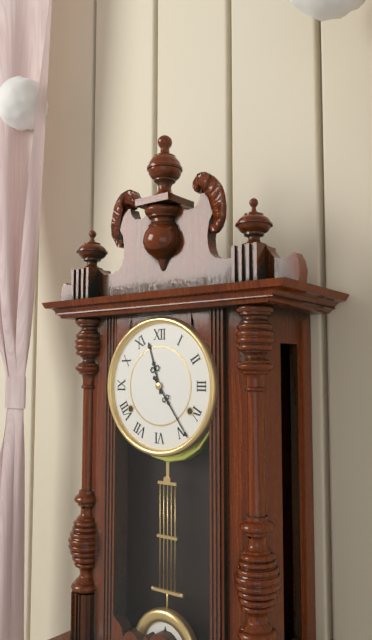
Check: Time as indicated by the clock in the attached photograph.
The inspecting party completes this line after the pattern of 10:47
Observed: 11:24
